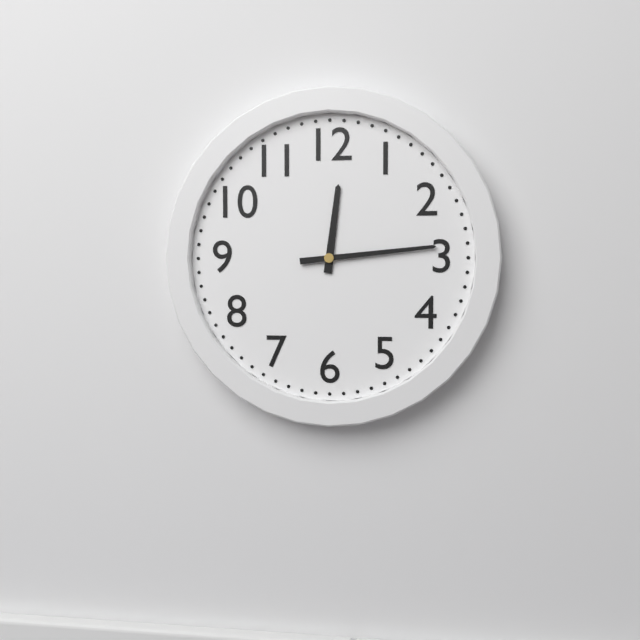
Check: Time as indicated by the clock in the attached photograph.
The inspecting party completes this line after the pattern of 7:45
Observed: 12:14
